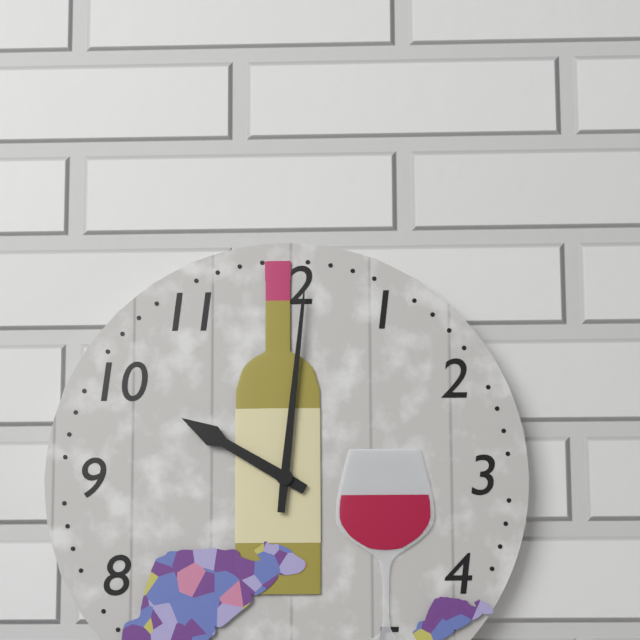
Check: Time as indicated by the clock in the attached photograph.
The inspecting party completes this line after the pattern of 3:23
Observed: 10:01
